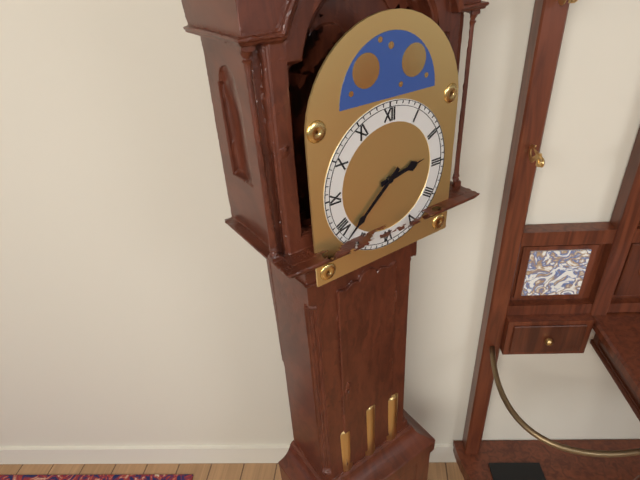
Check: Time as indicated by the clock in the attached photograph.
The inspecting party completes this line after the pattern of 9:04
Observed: 2:38
